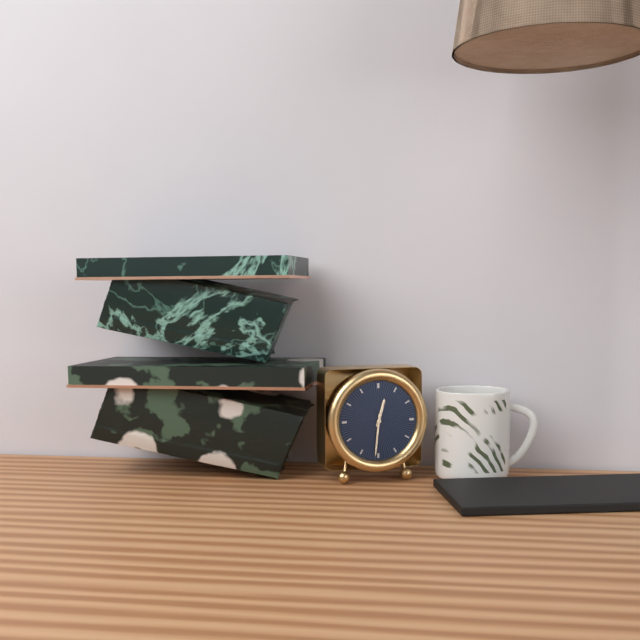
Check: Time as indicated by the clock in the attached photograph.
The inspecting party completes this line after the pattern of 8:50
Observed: 12:31
